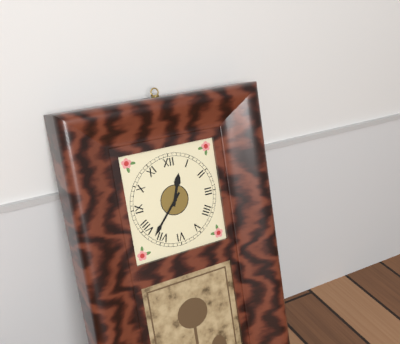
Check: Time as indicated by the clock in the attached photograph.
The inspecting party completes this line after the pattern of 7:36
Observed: 12:37
